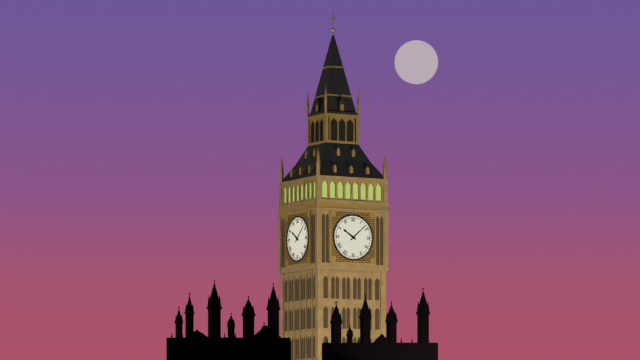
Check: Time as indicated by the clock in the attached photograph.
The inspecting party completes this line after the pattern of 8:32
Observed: 10:08
